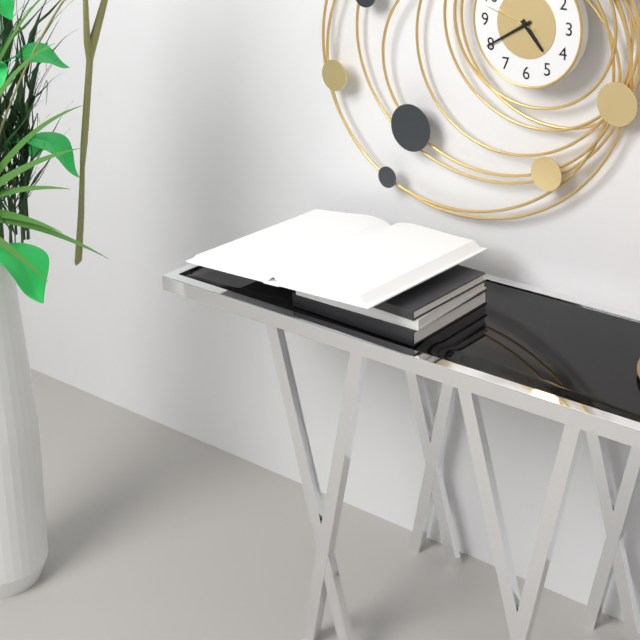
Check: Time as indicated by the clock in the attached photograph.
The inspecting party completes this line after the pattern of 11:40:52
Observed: 4:40:48
